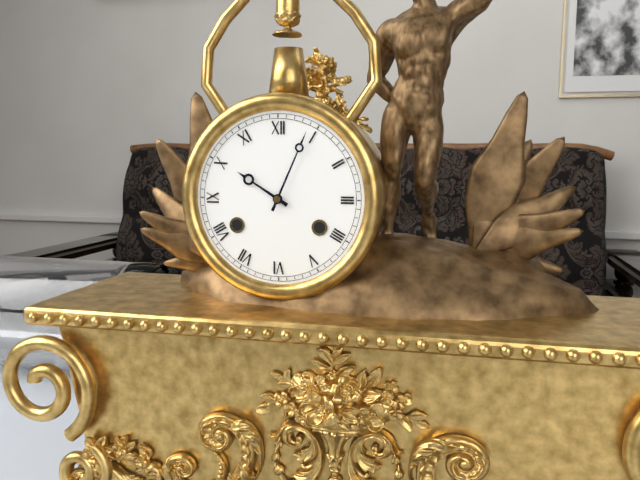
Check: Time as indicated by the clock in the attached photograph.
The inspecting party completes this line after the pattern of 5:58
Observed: 10:04
